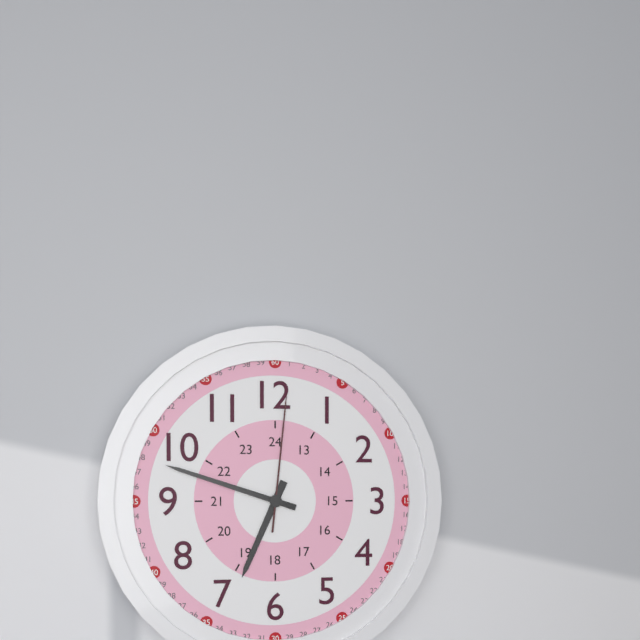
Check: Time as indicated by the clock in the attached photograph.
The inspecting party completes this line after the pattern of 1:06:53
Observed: 6:48:01
